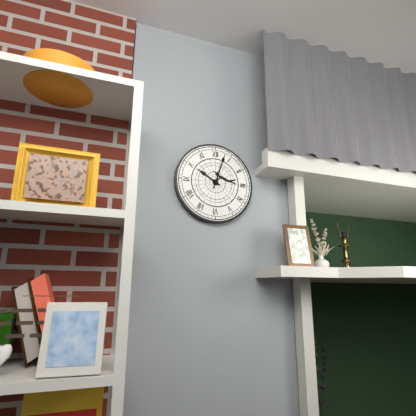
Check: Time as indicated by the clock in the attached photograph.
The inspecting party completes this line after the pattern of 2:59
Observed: 10:03
